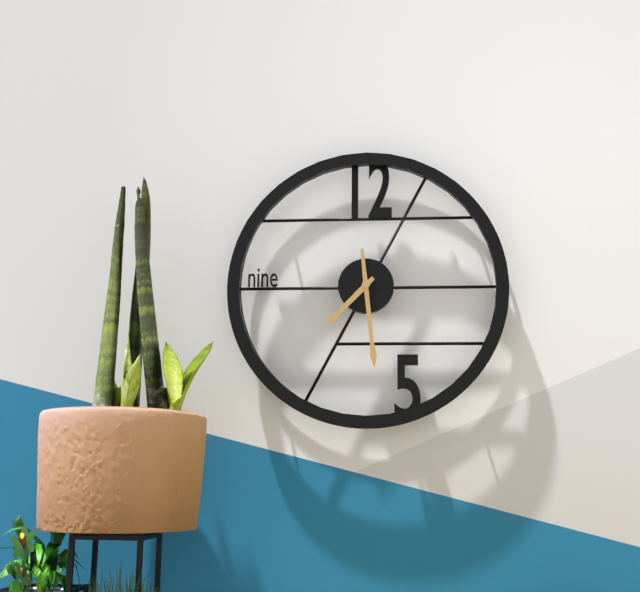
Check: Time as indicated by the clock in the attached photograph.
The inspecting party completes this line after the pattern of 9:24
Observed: 7:29
